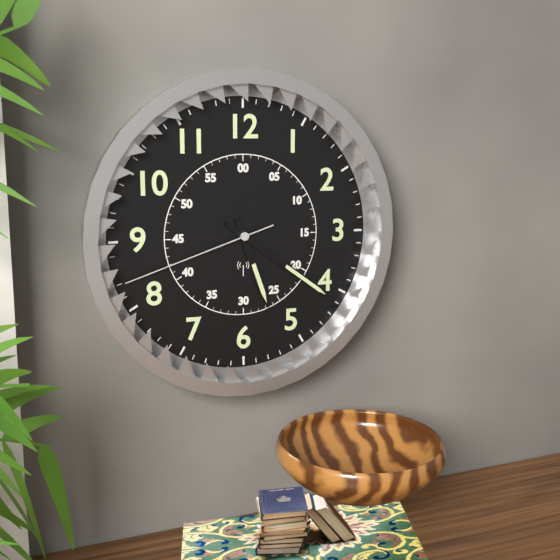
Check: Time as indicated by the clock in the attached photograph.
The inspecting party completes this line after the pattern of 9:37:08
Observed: 5:21:42
